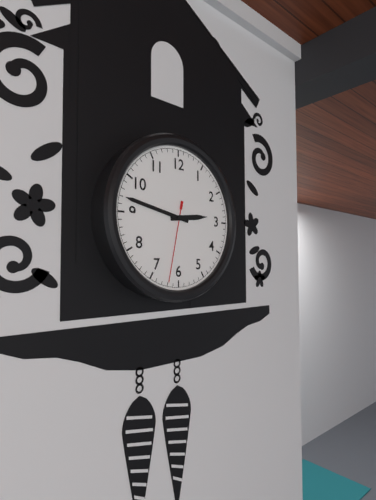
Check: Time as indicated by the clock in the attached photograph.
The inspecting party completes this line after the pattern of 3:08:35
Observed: 2:47:32
